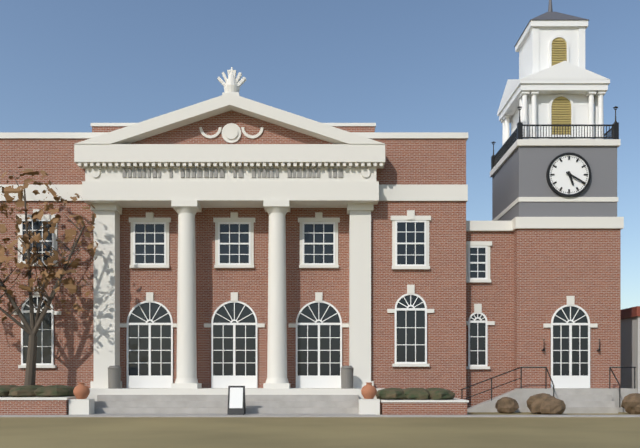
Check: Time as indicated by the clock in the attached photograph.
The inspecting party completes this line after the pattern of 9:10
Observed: 5:20
